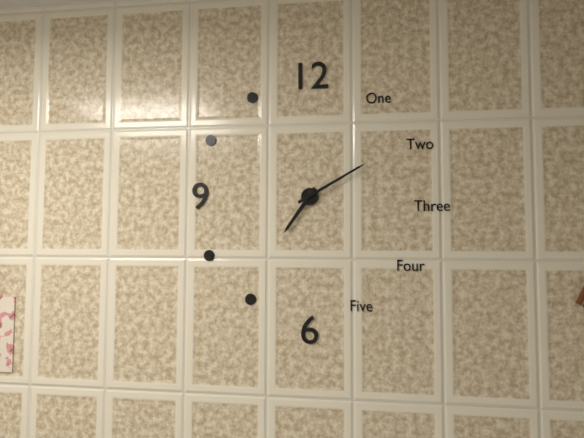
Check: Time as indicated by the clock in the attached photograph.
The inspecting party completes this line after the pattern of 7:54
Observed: 7:10
